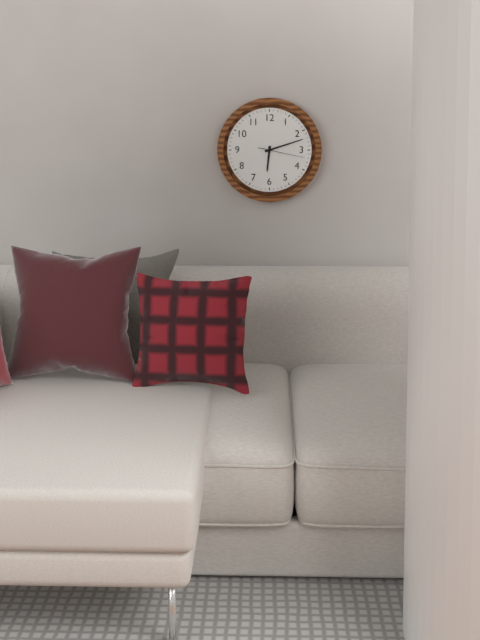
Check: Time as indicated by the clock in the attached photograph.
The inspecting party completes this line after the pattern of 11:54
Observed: 6:12
